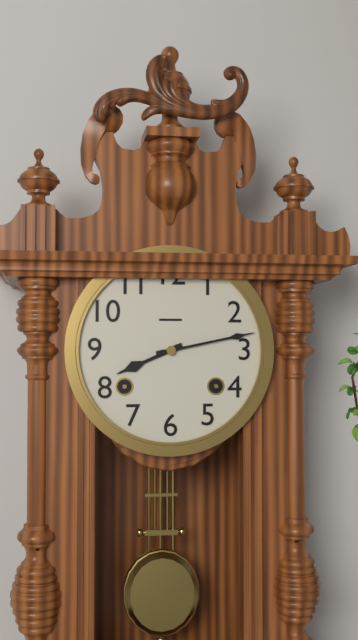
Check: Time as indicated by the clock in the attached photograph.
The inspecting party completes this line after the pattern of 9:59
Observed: 8:13
